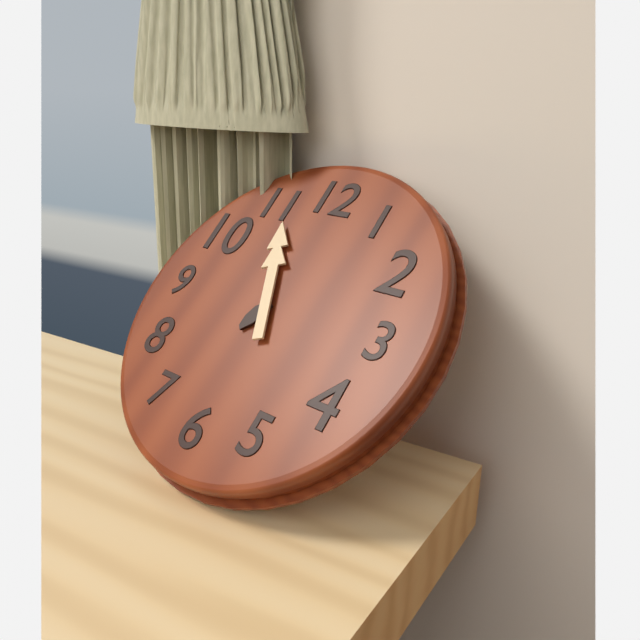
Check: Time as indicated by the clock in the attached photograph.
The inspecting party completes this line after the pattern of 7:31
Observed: 6:56
